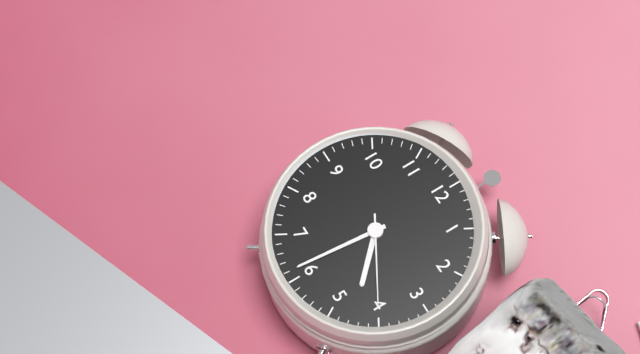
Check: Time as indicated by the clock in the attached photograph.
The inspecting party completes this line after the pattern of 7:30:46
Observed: 4:31:20
